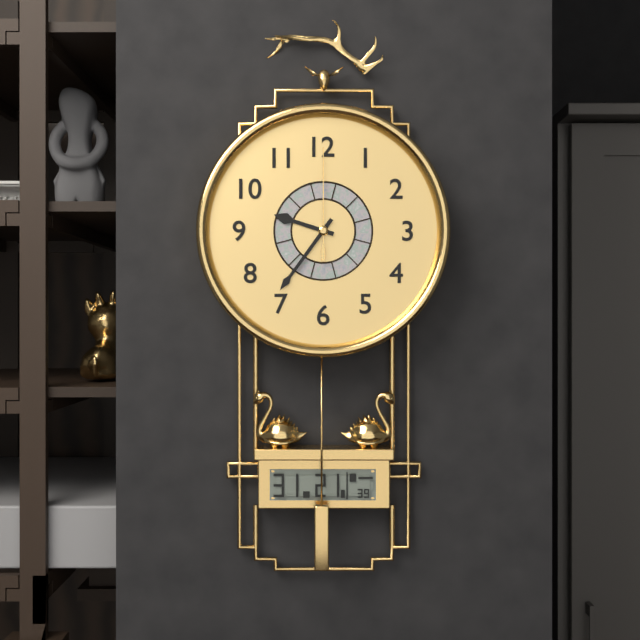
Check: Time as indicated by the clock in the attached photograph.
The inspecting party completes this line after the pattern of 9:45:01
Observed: 9:36:00
